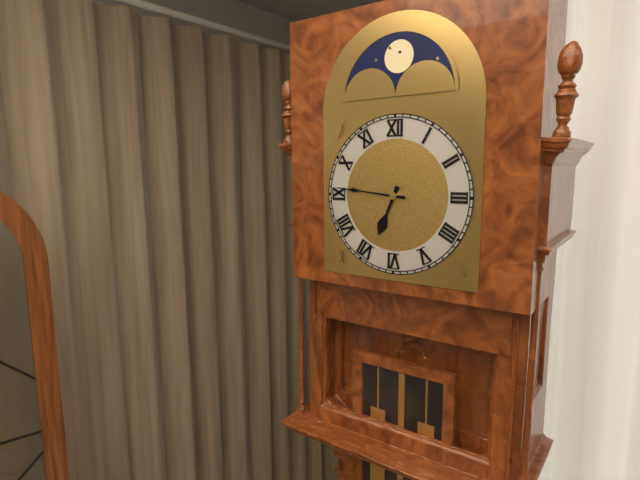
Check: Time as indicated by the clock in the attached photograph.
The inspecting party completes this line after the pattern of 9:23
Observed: 6:46
